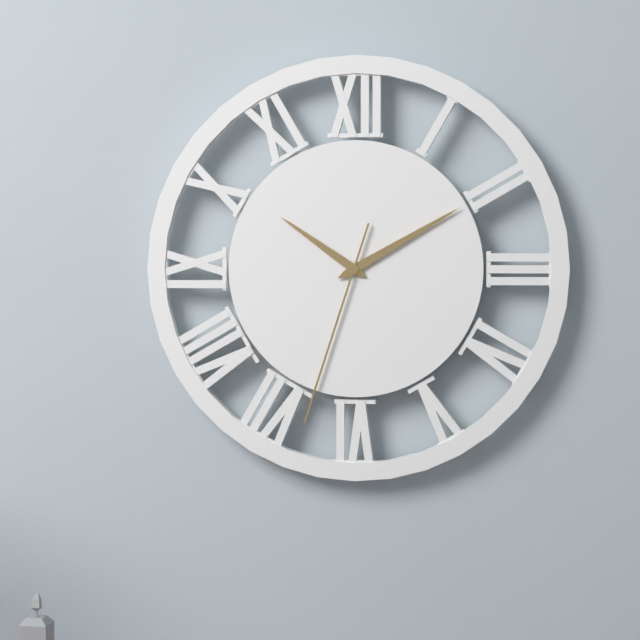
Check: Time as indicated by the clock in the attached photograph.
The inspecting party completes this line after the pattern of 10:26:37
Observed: 10:10:33
